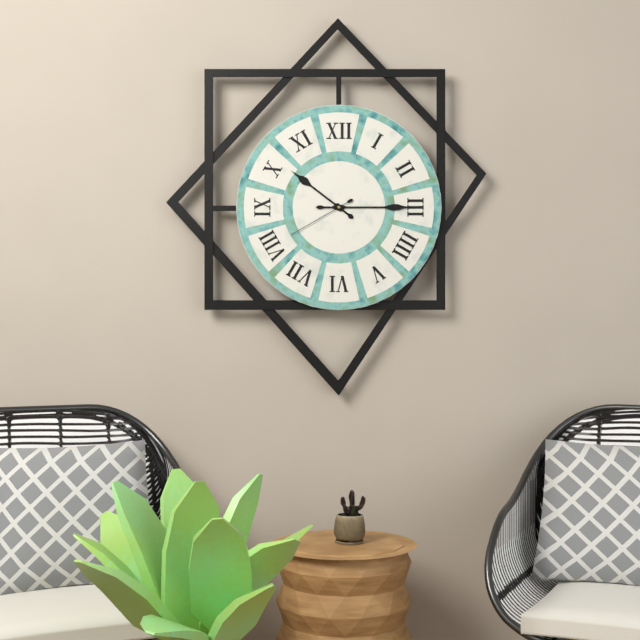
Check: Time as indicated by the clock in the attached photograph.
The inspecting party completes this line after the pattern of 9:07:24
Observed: 10:15:40
